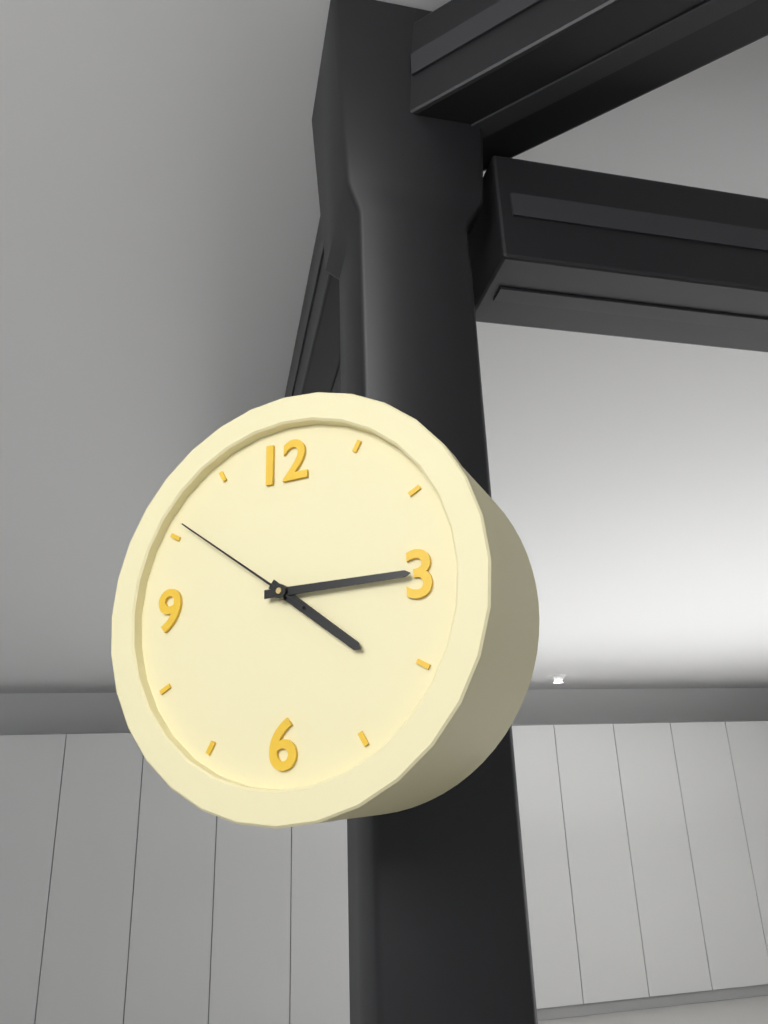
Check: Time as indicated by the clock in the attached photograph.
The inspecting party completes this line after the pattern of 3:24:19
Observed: 4:15:51
